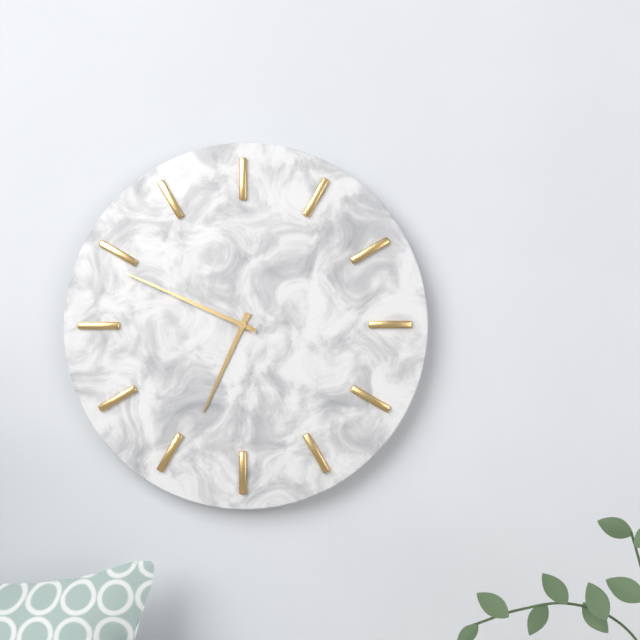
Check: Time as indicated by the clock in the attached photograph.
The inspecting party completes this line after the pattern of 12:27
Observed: 6:49
